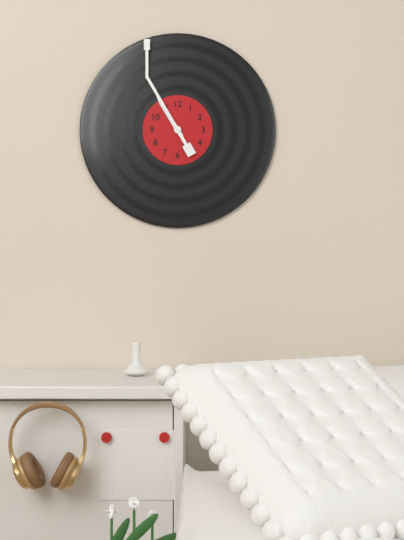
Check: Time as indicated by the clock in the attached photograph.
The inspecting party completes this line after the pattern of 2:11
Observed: 10:55
